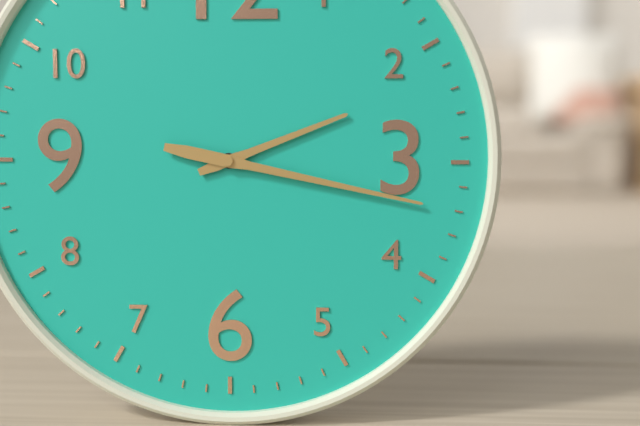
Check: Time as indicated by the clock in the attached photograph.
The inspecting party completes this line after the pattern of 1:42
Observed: 2:17
